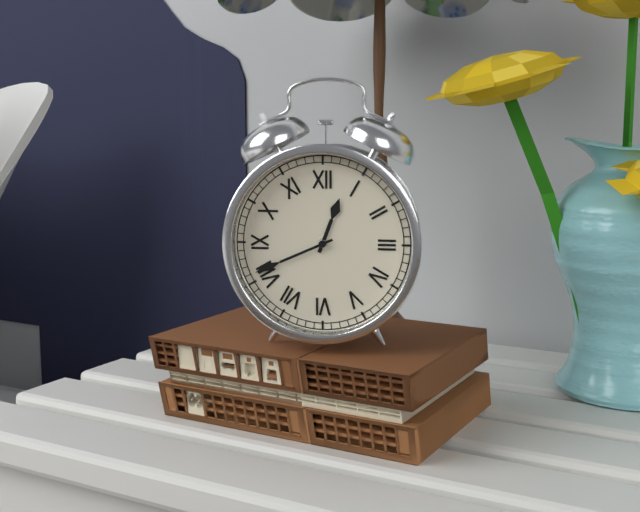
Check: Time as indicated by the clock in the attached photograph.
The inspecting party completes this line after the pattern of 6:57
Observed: 12:41
